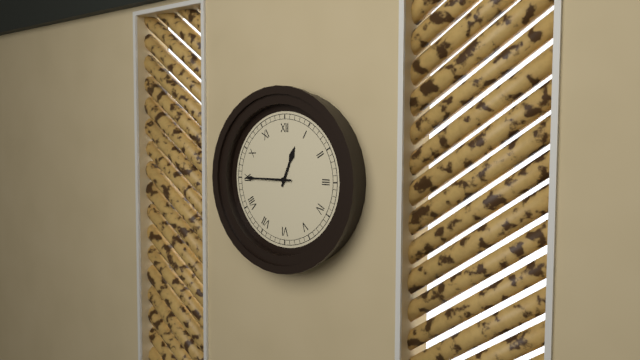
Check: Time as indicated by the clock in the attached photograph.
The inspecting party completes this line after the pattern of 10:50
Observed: 12:45
